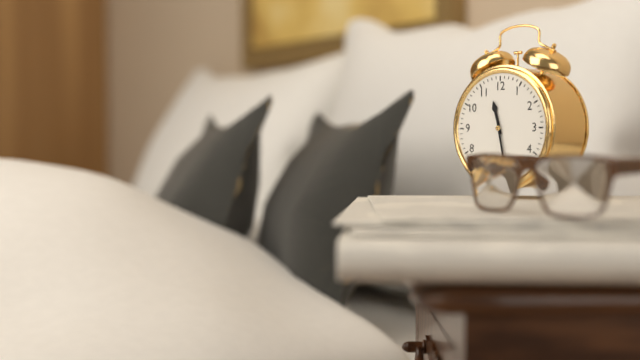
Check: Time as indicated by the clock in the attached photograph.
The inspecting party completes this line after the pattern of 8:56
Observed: 11:28
